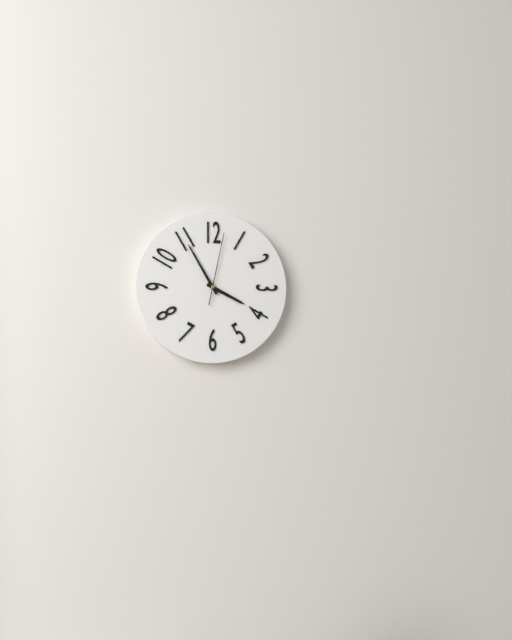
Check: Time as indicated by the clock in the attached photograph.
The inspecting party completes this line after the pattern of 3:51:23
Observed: 3:55:02
